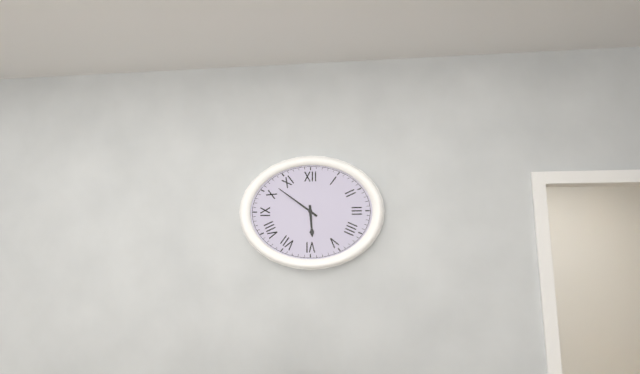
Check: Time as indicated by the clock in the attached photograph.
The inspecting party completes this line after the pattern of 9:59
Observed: 5:51
